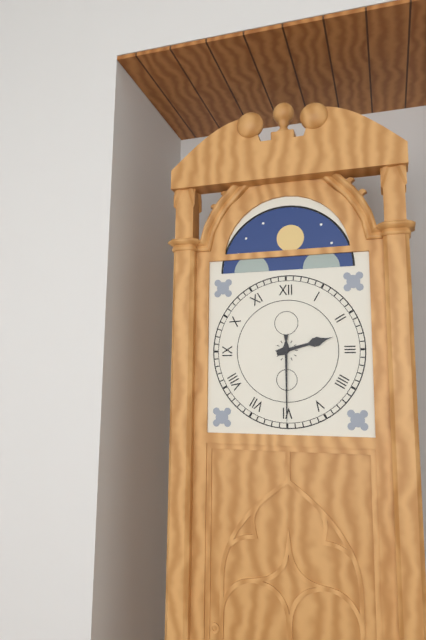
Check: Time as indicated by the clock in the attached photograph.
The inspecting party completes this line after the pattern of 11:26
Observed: 2:30
